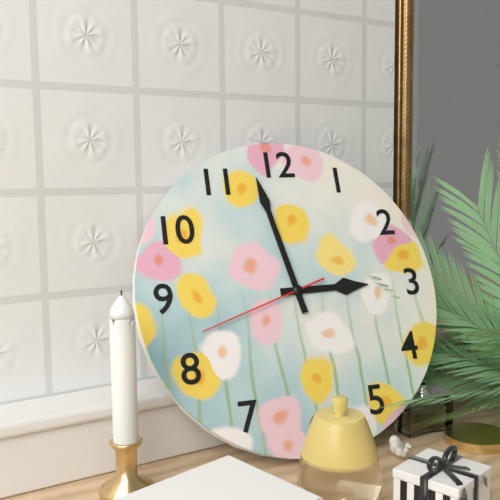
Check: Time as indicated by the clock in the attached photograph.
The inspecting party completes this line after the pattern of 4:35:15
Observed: 2:58:42
